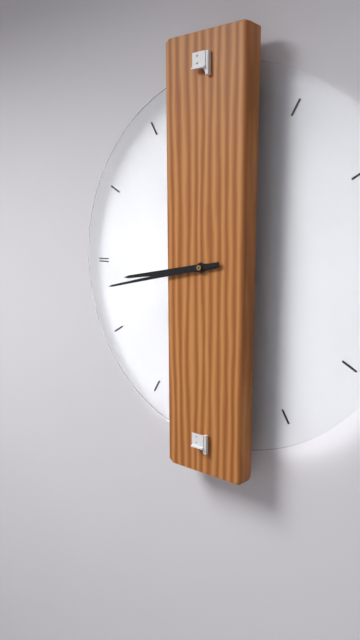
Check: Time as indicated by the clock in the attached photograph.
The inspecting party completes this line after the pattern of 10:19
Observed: 8:43
